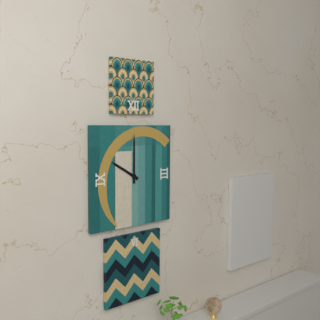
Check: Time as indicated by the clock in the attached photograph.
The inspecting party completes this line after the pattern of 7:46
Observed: 10:00
